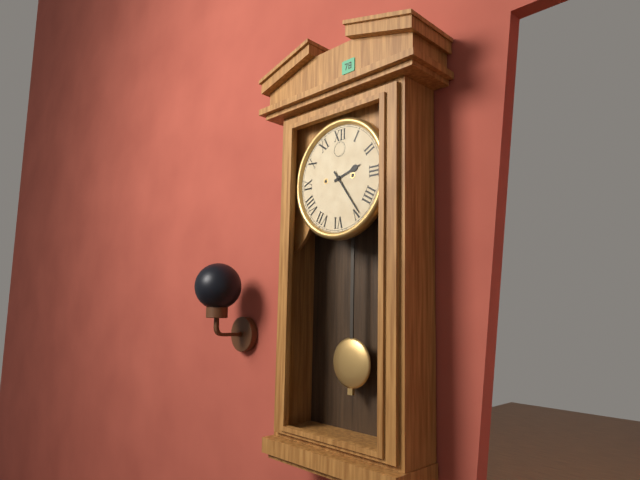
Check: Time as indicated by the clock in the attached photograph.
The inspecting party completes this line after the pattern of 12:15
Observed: 2:24
